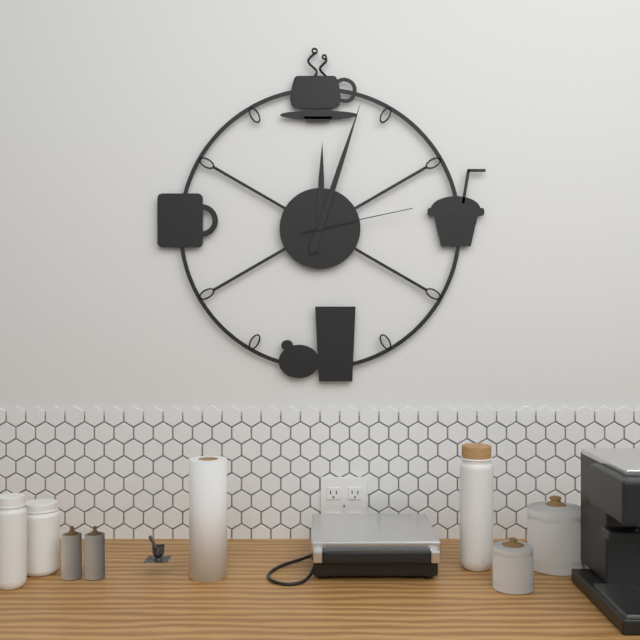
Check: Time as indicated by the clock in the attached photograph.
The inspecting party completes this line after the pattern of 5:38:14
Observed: 12:03:13
